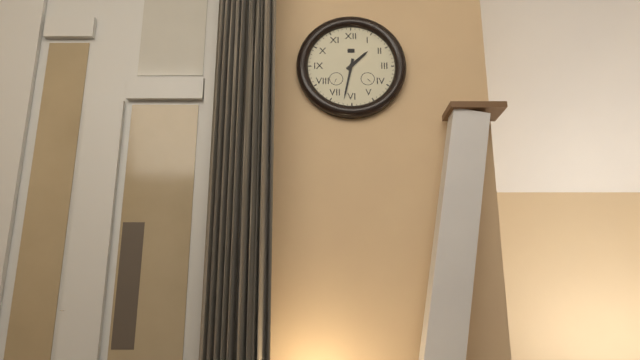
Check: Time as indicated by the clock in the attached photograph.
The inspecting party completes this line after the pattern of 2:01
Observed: 1:32
